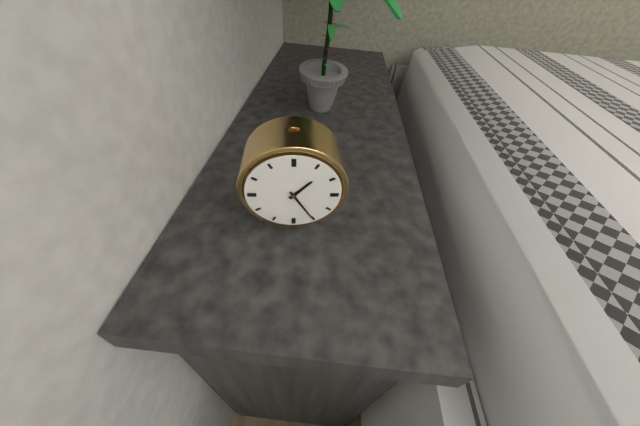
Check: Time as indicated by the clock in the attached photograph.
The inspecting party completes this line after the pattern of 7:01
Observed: 1:25
